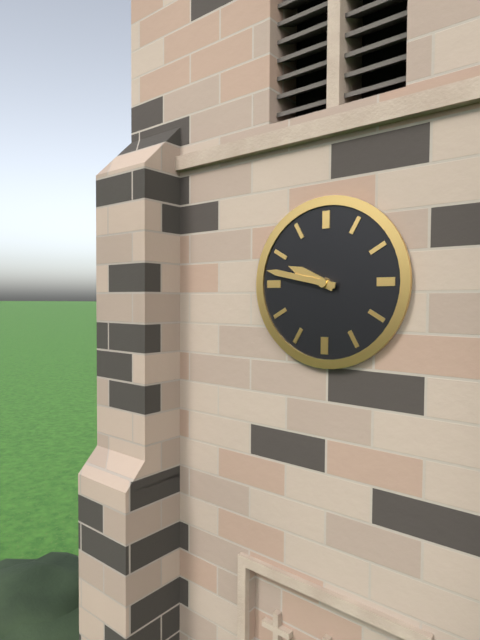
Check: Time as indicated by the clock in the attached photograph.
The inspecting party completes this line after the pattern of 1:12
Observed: 9:47
